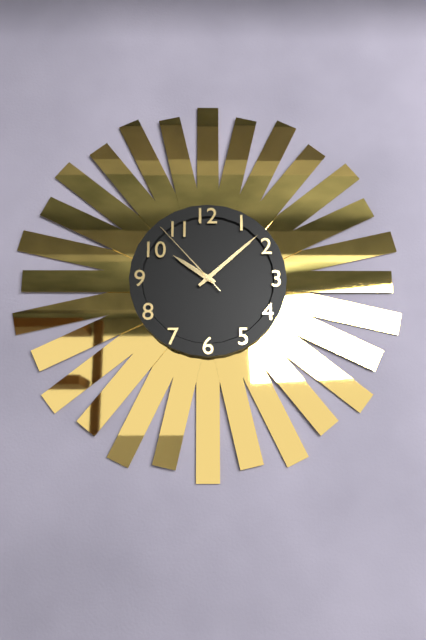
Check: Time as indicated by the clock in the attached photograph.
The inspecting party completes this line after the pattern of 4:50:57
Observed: 10:08:53
